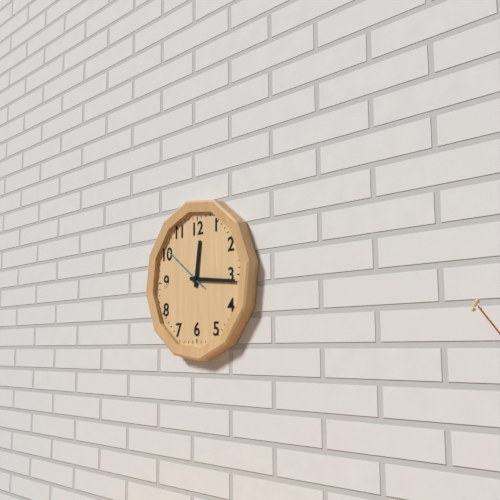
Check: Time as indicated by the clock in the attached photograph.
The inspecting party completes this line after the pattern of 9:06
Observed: 12:16
